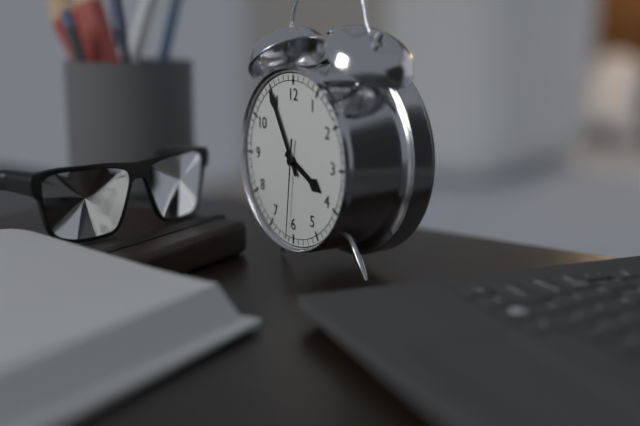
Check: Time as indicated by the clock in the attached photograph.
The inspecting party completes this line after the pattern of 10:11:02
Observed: 3:55:31
